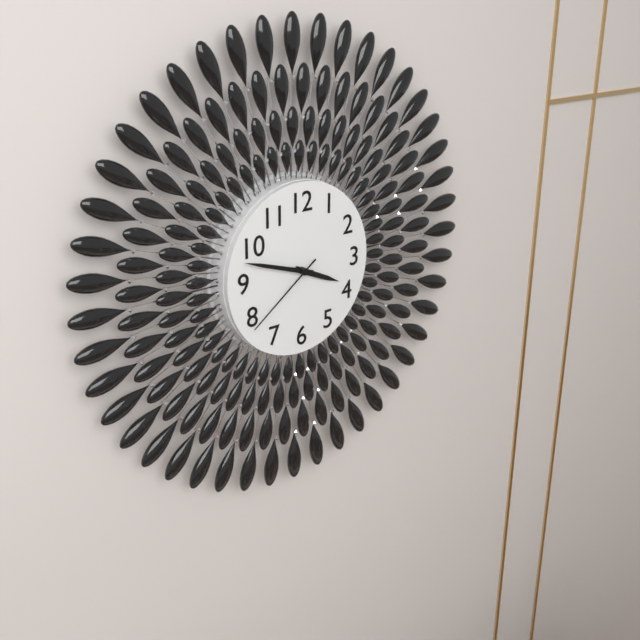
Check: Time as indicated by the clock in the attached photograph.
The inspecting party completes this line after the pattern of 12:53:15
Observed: 3:48:39
